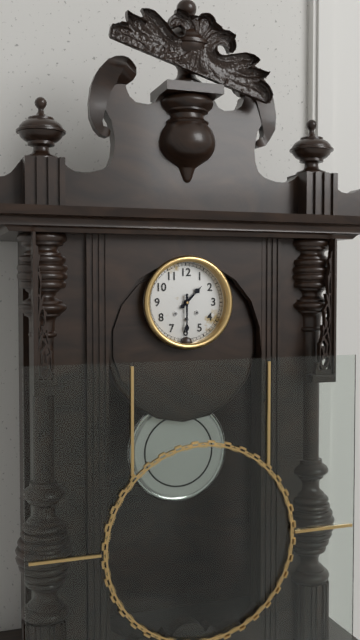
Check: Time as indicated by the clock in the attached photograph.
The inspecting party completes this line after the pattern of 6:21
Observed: 1:30
